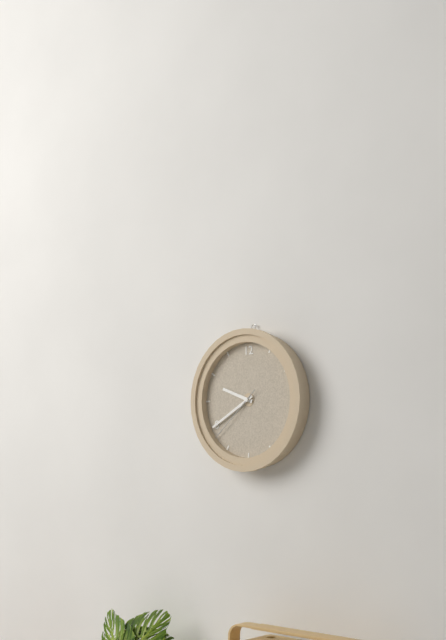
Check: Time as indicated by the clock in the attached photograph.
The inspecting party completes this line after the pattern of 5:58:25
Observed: 9:40:38
